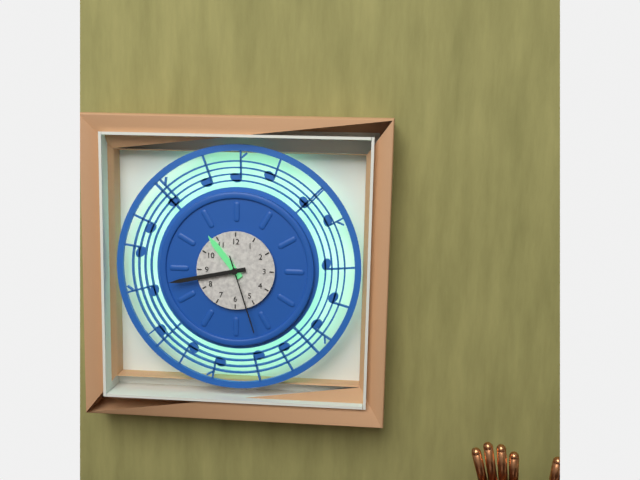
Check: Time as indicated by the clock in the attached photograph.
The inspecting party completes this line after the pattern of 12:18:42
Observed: 10:43:27
